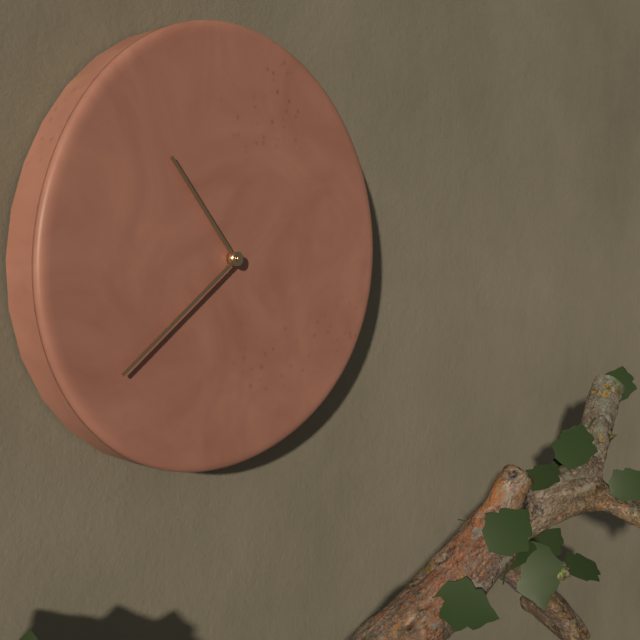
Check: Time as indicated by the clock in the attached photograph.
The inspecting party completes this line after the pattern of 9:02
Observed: 10:39
